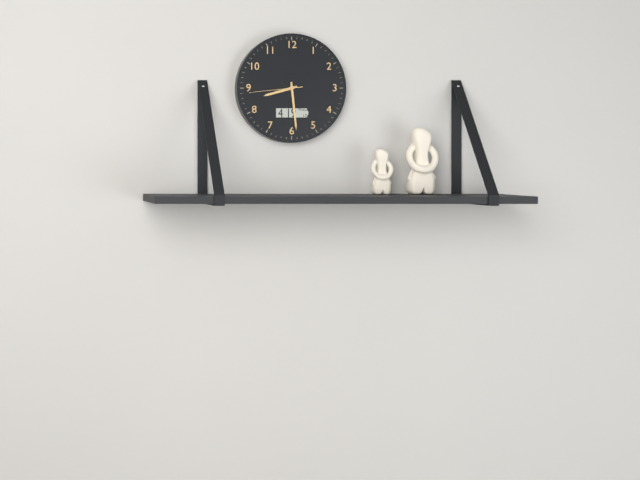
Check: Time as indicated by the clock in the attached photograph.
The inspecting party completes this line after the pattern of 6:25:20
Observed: 8:29:44
